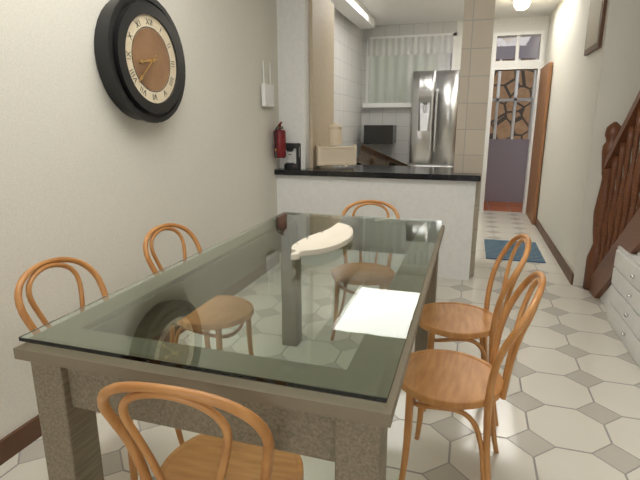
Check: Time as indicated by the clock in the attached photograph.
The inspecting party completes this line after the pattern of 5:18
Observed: 8:38
